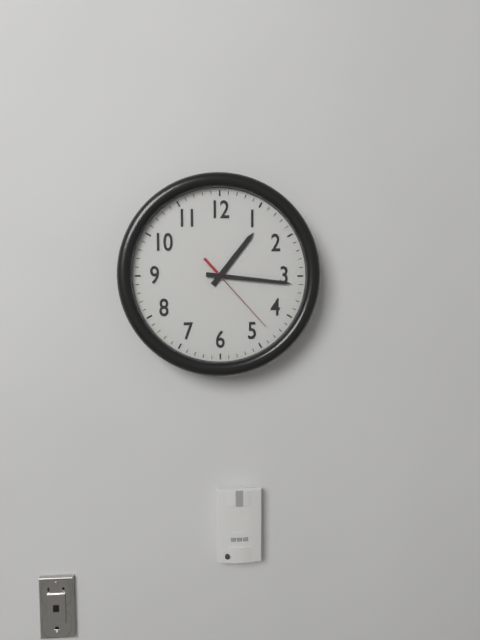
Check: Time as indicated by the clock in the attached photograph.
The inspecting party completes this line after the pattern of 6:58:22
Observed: 1:16:23
